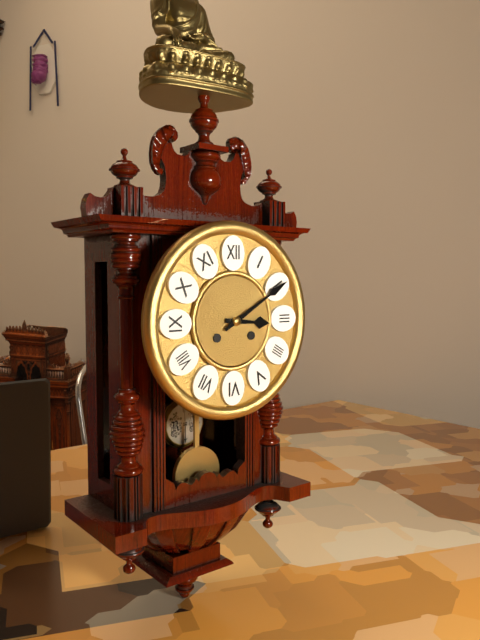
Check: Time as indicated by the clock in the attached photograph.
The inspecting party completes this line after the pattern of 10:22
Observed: 3:10
